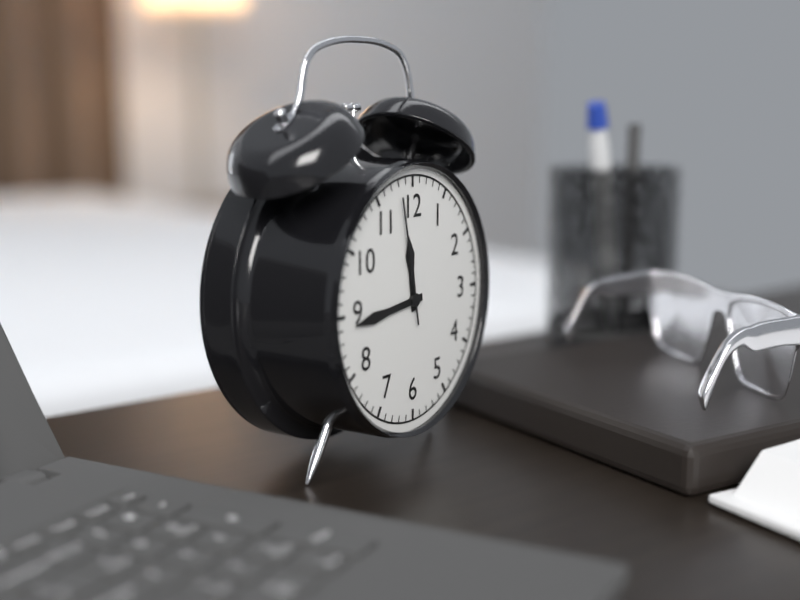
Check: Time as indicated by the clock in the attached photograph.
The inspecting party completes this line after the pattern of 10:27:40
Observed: 11:44:58
